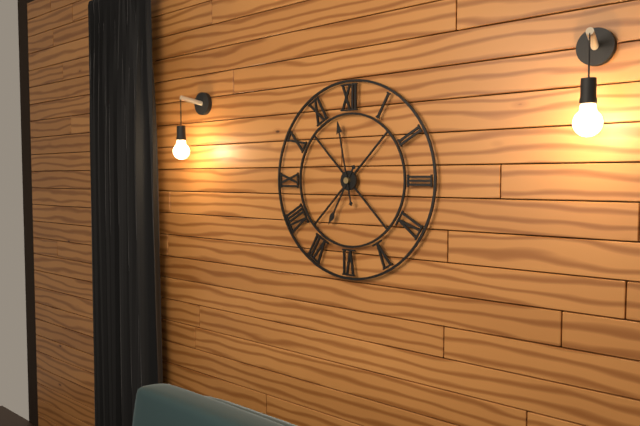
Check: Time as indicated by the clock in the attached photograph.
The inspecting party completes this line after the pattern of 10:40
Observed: 6:58
